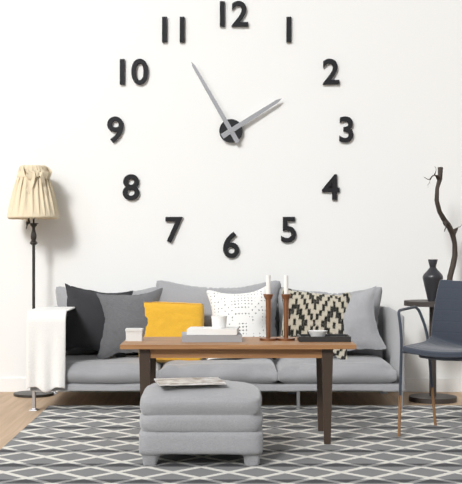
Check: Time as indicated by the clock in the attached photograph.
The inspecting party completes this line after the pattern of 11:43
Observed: 1:55
